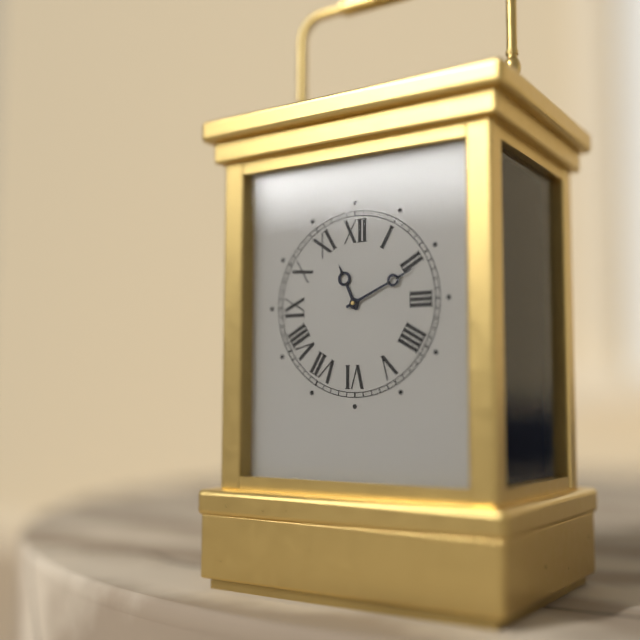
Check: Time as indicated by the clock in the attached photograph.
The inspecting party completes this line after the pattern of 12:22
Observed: 11:11
